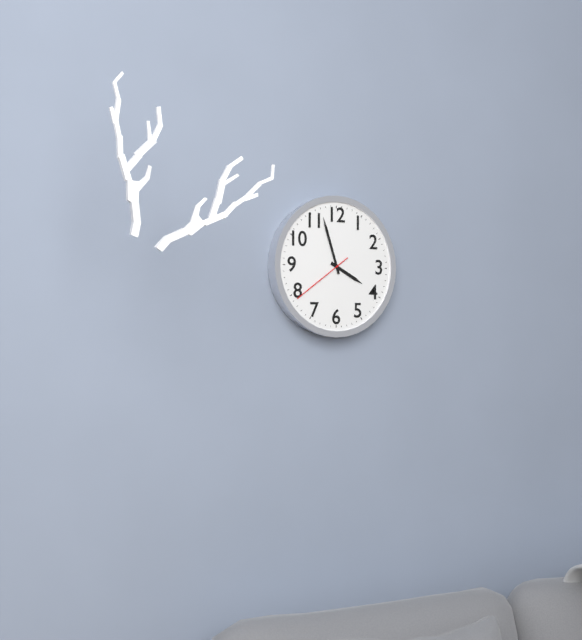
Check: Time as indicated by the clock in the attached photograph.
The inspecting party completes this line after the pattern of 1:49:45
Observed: 3:57:39
